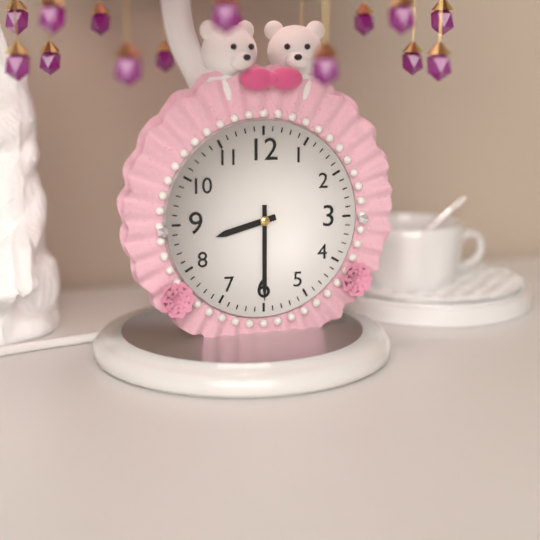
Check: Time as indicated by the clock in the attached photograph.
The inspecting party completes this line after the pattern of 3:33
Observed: 8:30
